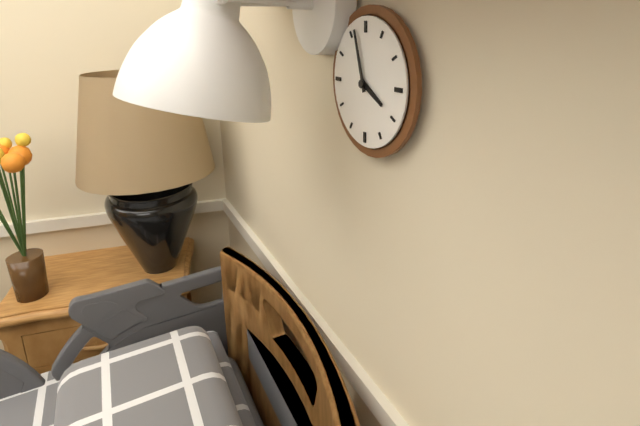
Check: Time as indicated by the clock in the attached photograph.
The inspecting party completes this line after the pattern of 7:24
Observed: 3:57
